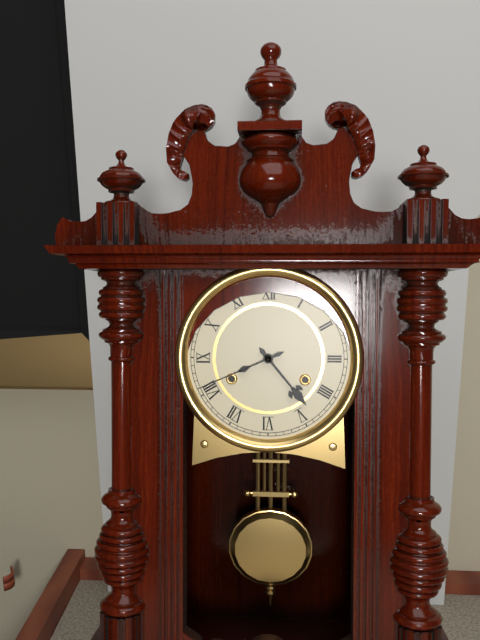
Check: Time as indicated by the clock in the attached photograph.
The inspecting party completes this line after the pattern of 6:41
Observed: 4:41
